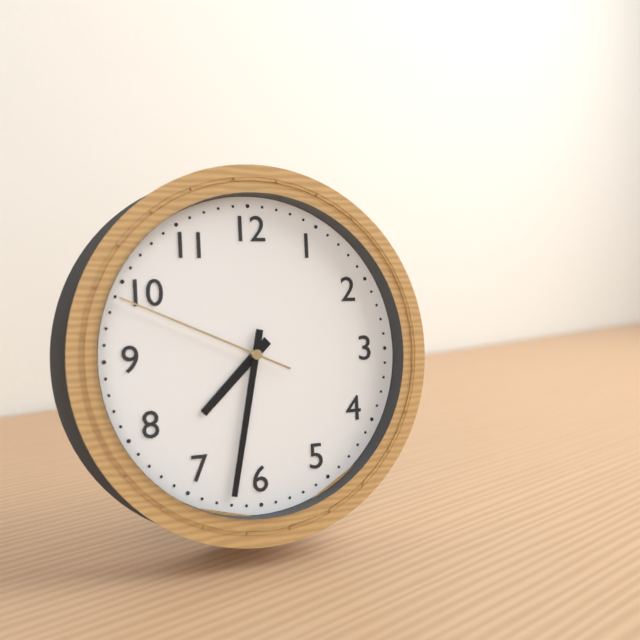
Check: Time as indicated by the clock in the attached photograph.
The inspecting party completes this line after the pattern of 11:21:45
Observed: 7:32:49
